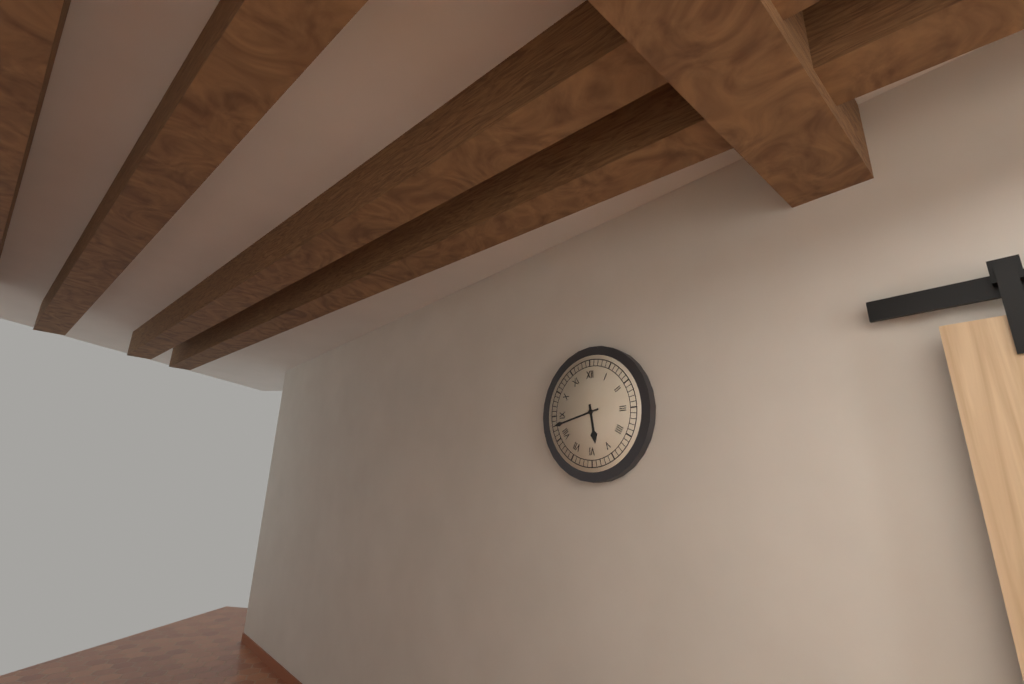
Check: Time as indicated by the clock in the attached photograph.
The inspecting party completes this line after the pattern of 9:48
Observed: 5:43
